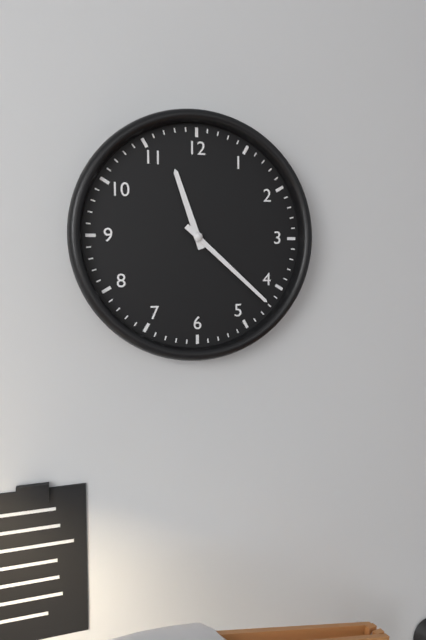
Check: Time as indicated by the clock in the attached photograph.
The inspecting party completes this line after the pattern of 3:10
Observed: 11:22
